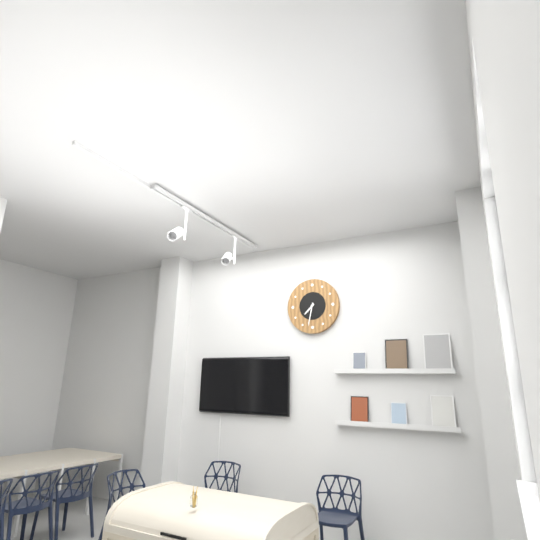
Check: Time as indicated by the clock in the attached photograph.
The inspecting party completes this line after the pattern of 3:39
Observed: 7:32
